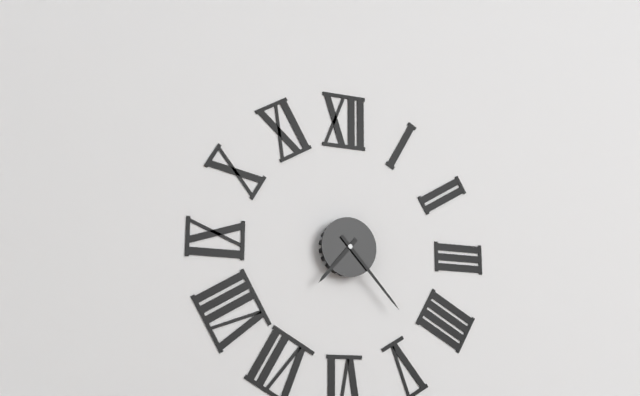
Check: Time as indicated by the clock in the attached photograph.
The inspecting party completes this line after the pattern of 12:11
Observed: 7:23
